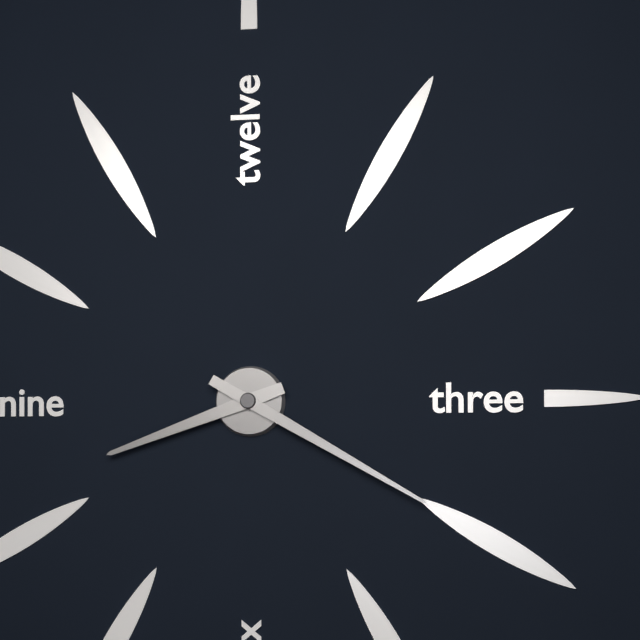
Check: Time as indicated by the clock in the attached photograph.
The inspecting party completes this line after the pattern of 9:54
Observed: 8:20
